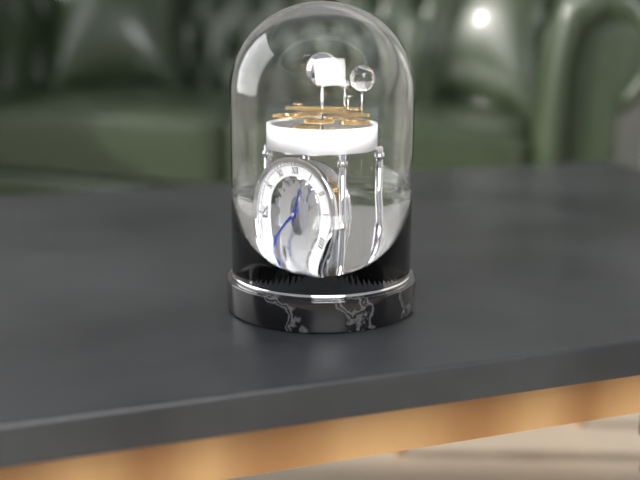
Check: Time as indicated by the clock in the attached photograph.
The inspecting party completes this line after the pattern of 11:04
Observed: 12:40
